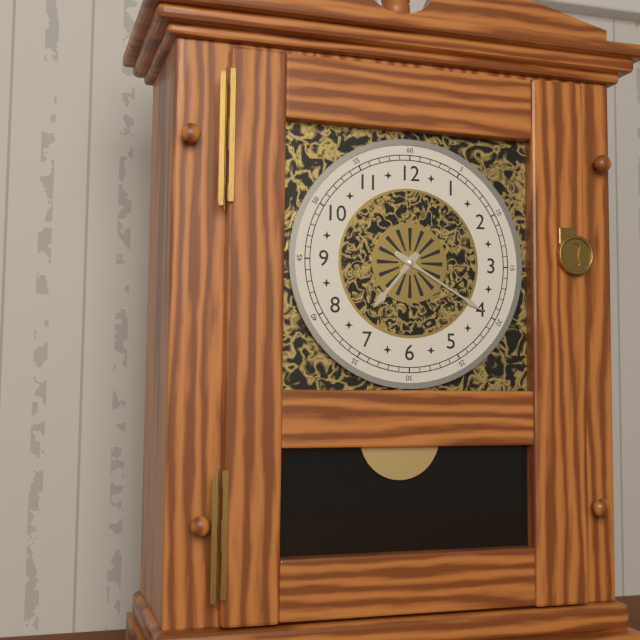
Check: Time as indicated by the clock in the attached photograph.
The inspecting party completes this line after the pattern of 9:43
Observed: 7:20
